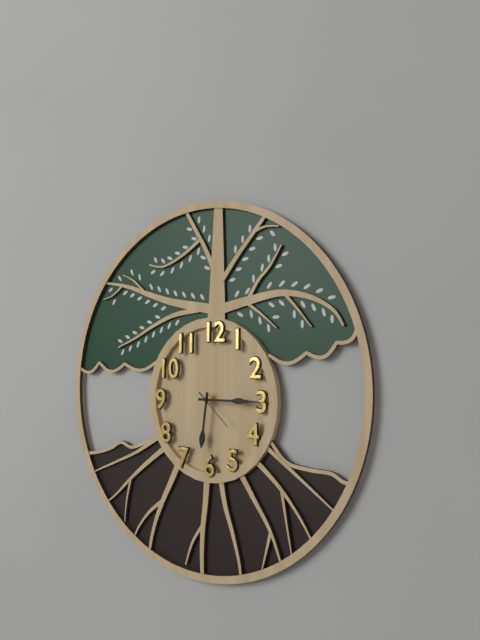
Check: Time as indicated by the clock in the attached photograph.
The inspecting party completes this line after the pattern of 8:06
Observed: 6:15
